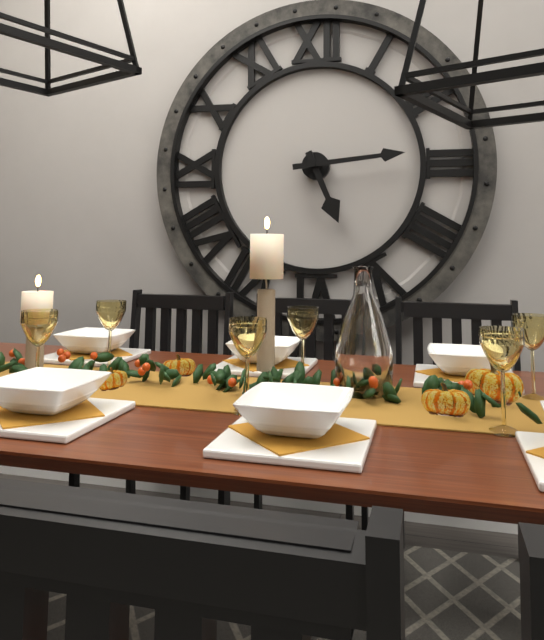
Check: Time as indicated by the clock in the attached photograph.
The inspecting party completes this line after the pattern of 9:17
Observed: 5:14
